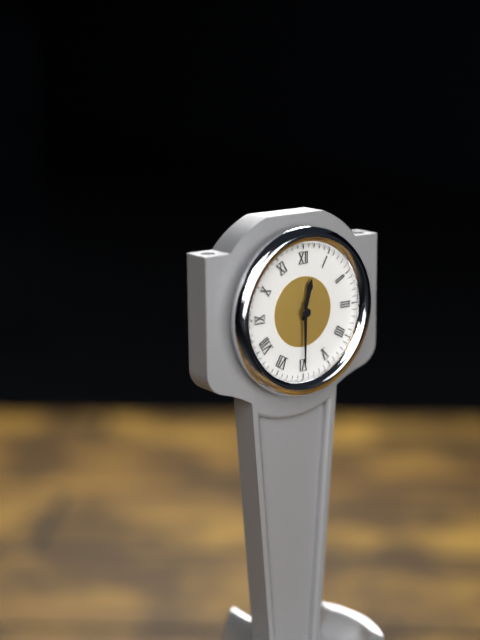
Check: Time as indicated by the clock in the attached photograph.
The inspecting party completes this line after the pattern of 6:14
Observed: 12:30
